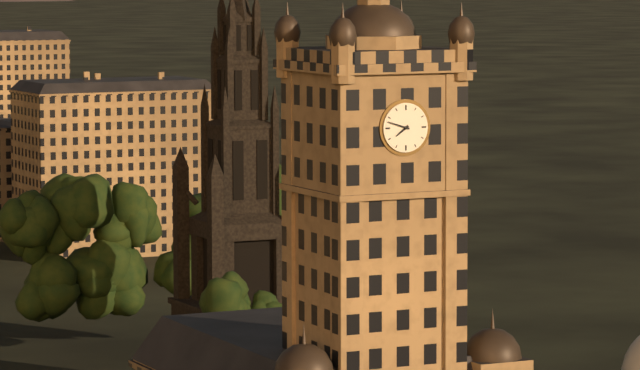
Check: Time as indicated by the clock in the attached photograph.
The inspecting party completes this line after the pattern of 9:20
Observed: 7:48
